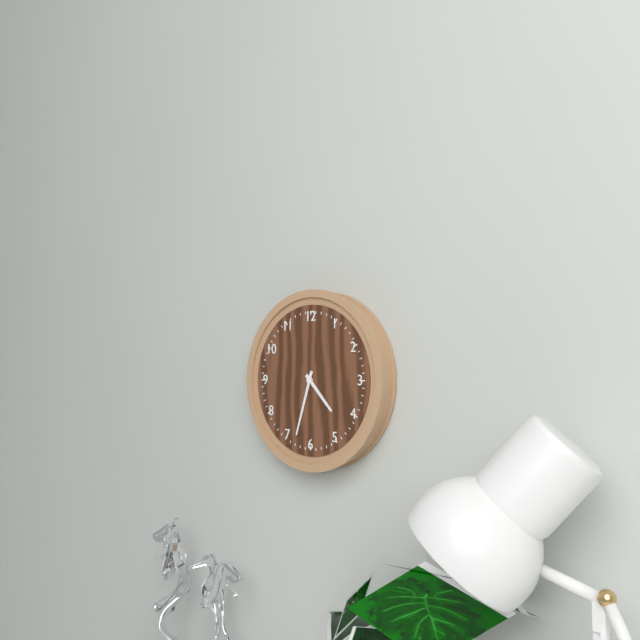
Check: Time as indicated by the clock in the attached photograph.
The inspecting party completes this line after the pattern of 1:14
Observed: 4:33
